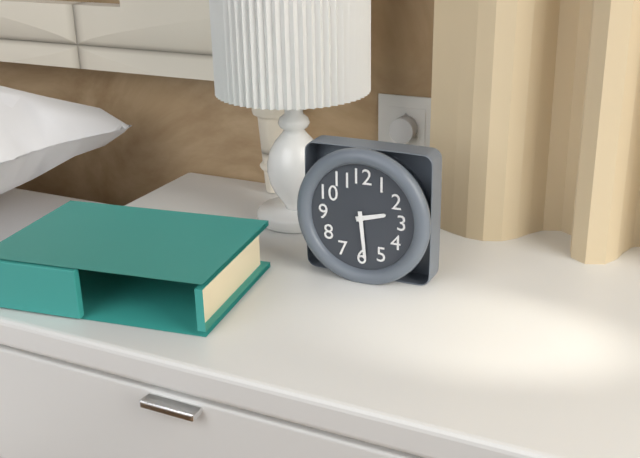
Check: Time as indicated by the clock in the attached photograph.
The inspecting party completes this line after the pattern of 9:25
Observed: 2:29
